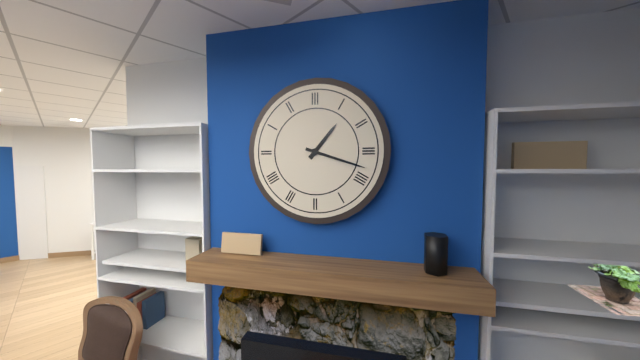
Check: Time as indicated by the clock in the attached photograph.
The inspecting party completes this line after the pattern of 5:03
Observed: 1:18
